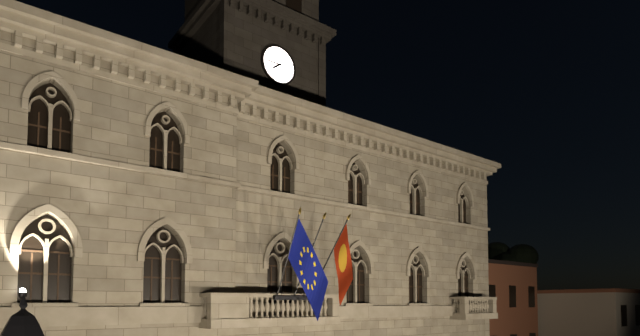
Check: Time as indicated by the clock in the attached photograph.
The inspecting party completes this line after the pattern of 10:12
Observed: 7:45
